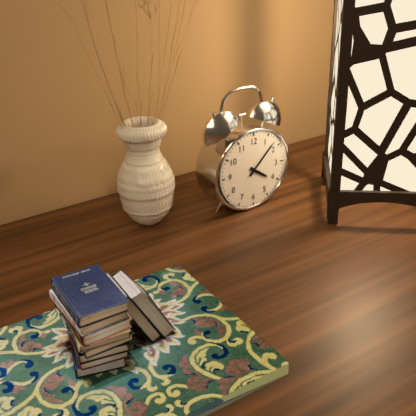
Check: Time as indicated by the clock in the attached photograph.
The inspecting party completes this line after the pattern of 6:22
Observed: 4:08
